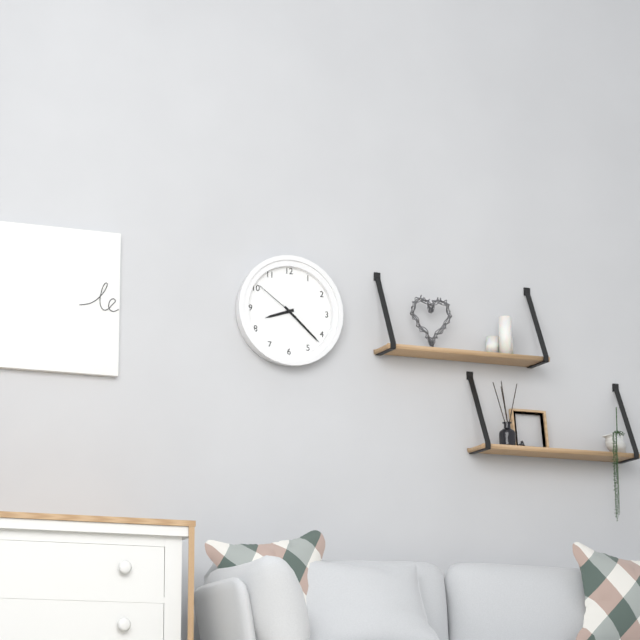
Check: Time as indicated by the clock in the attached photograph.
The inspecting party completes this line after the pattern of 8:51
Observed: 8:22
